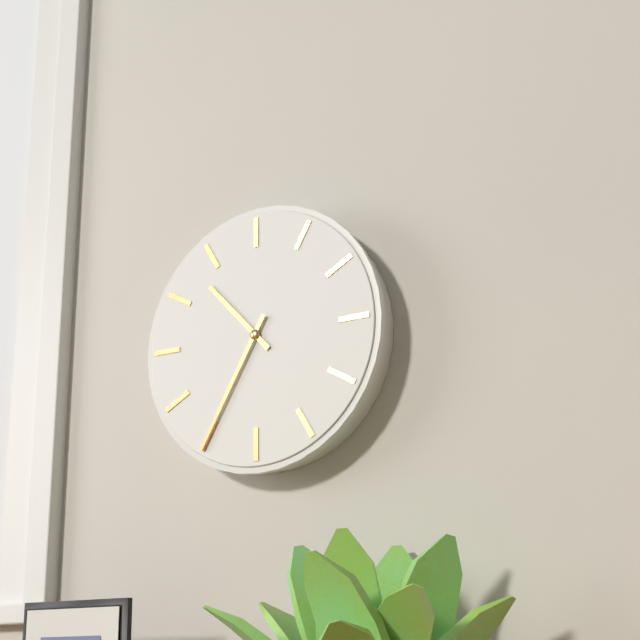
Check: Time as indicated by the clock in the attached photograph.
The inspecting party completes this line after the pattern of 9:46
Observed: 10:35
